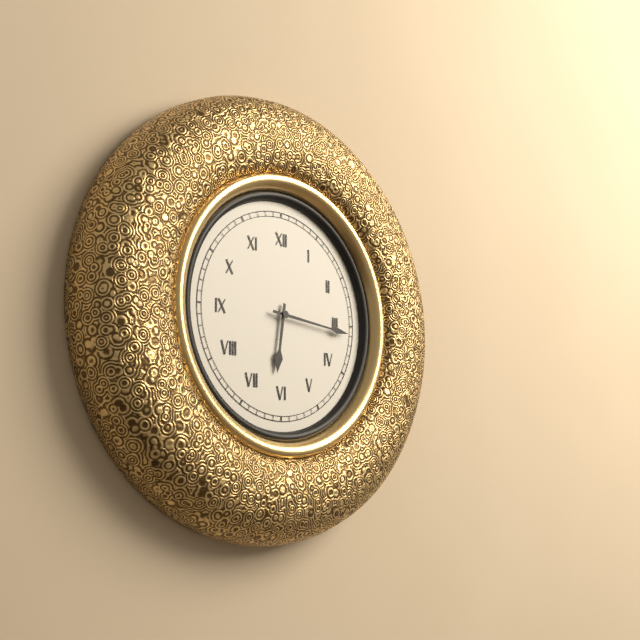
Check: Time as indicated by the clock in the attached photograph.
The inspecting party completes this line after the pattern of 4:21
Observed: 6:16
